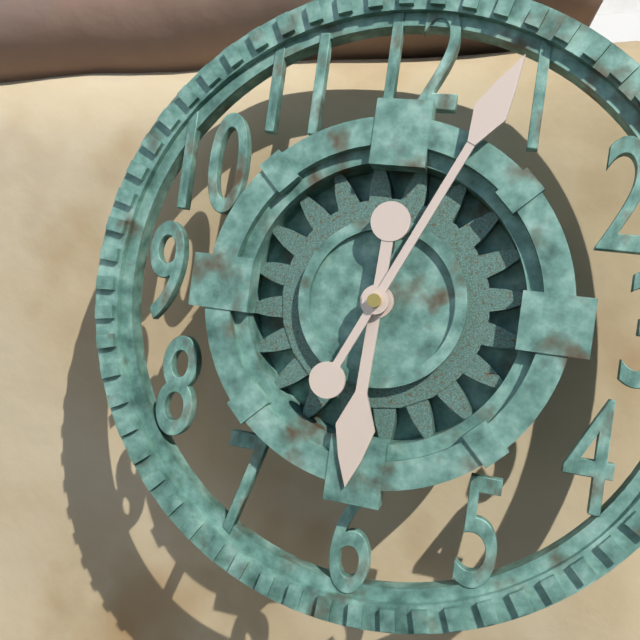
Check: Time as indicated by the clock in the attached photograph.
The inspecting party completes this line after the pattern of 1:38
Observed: 6:04
